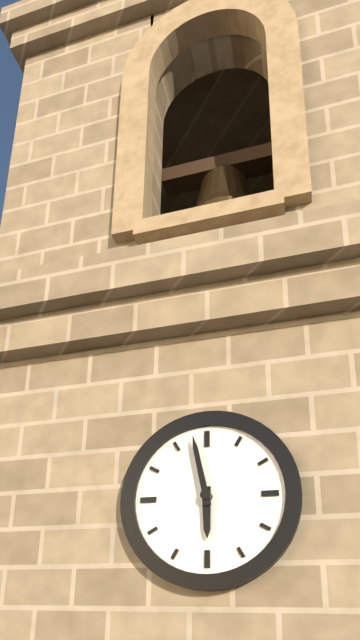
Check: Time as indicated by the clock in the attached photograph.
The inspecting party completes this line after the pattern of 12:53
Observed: 5:58
